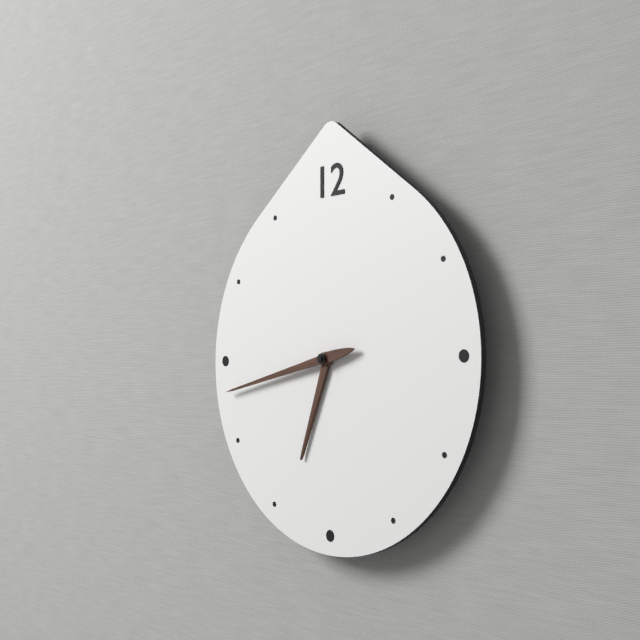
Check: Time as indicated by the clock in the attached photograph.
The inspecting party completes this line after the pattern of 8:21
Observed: 6:43
